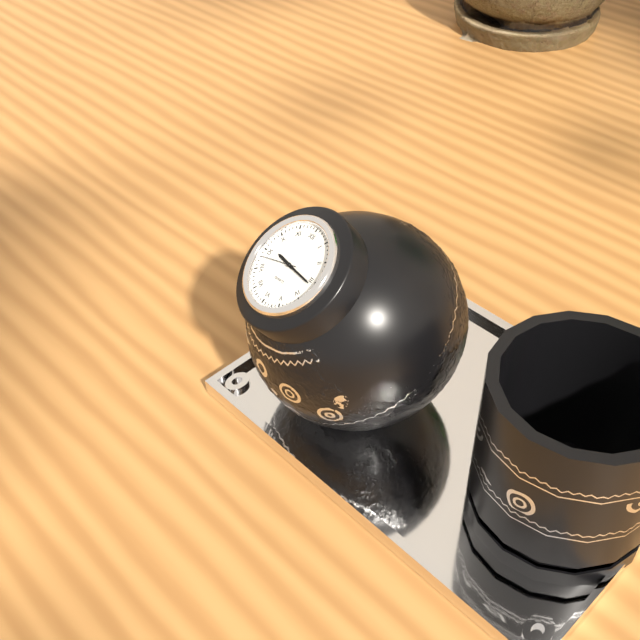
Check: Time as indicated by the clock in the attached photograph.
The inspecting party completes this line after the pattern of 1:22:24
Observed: 9:16:43
